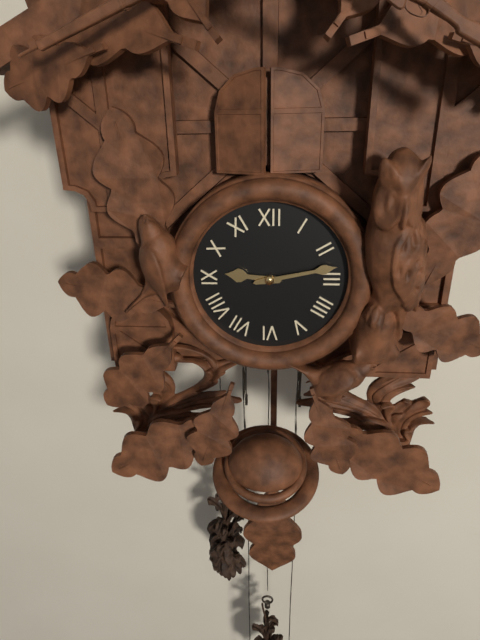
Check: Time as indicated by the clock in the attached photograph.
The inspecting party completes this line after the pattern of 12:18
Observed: 9:13
